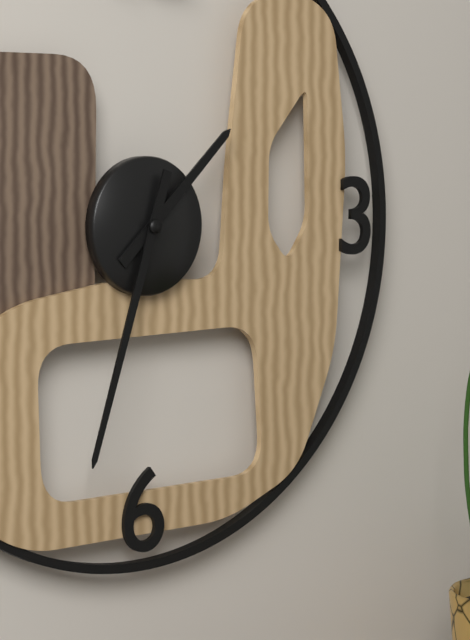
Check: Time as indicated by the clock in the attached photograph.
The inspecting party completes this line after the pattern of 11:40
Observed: 1:33
